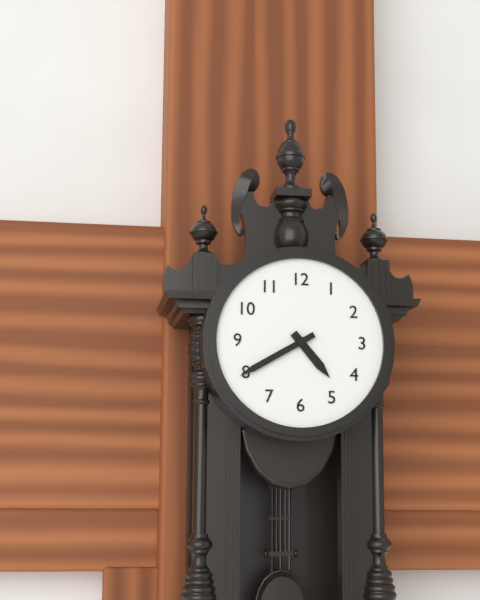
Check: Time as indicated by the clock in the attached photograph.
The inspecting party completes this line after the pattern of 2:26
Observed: 4:40
